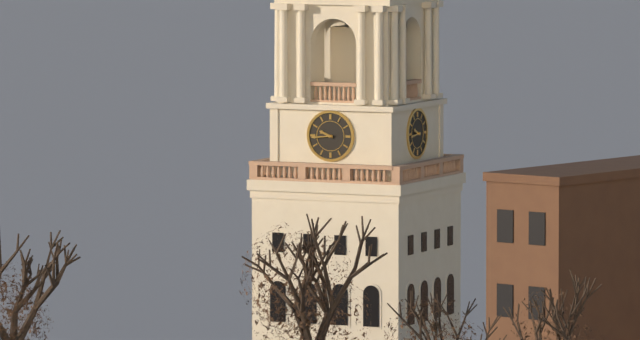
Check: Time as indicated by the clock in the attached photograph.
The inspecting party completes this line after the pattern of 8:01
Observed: 9:44
